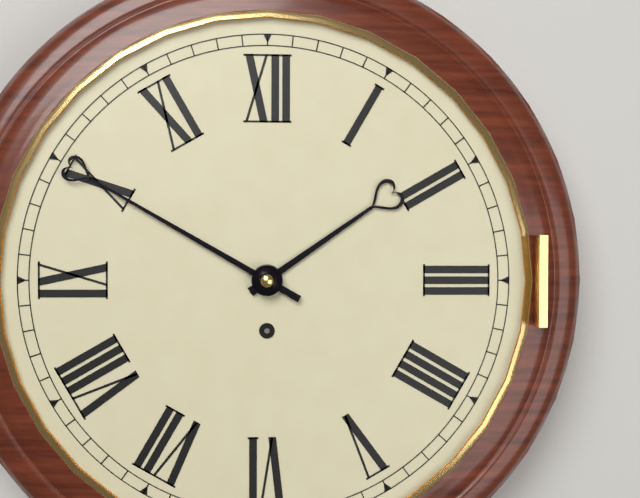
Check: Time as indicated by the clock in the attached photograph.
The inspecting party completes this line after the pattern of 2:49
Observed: 1:50
